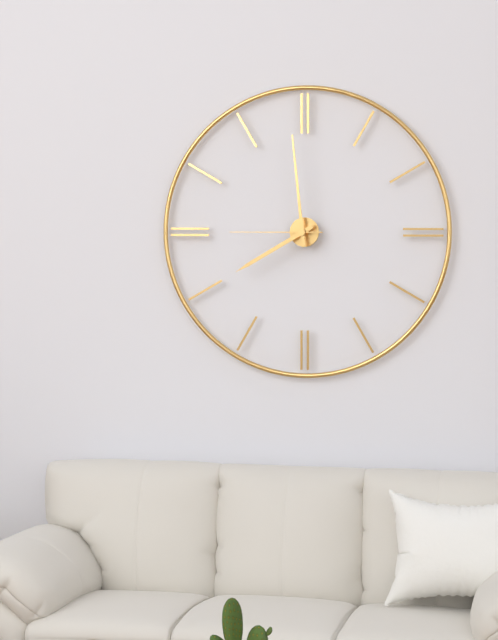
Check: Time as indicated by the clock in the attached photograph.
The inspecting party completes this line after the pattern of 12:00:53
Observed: 7:59:45
